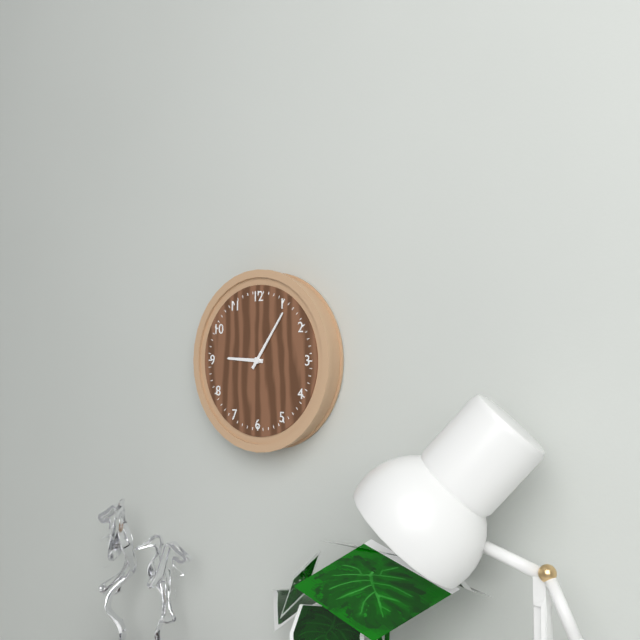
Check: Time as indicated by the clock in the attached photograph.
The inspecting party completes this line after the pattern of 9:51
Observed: 9:06
